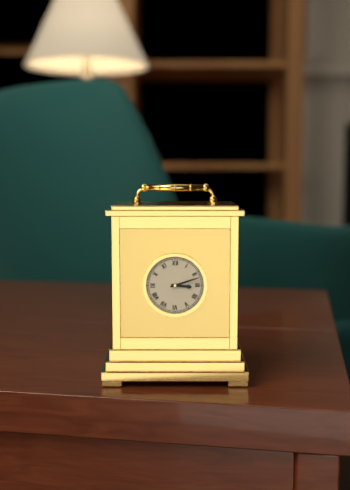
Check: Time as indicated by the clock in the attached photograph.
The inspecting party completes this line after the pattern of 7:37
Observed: 3:12
